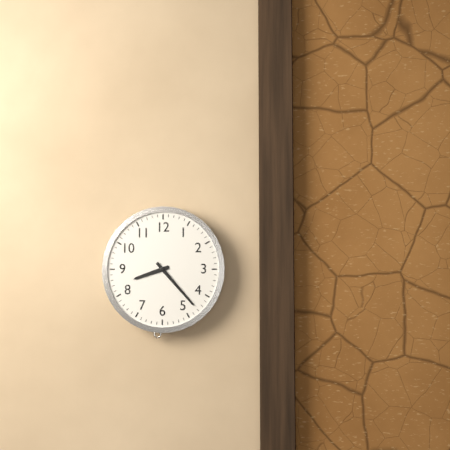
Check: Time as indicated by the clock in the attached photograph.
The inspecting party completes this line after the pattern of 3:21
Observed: 8:23
